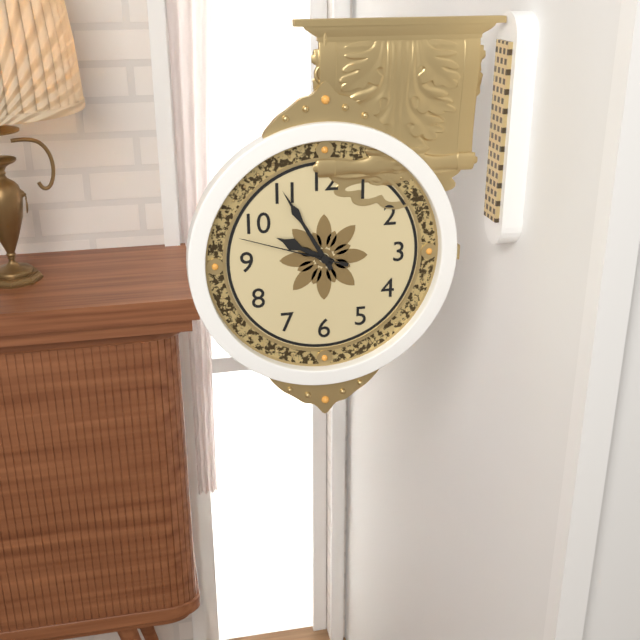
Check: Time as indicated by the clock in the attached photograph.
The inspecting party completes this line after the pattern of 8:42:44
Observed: 9:55:48
